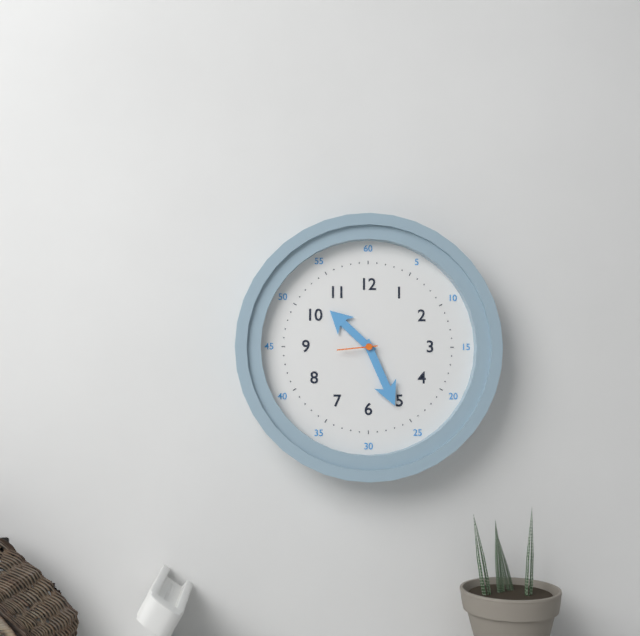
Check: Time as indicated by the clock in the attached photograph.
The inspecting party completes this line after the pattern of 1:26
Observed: 10:26
